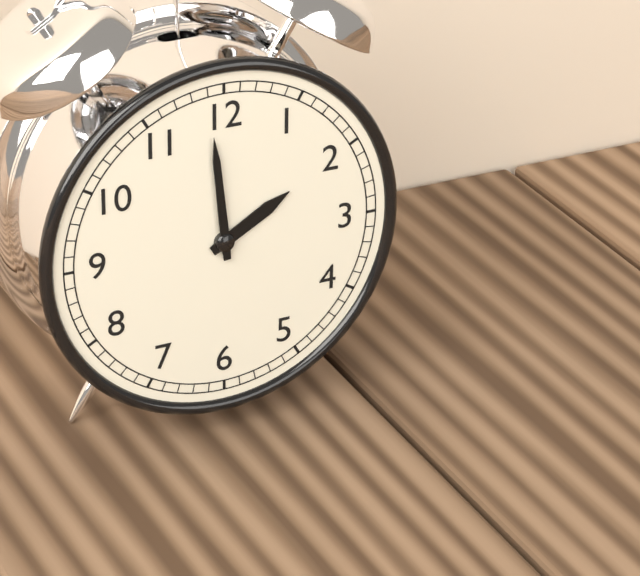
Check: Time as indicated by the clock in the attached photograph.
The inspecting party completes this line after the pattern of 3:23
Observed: 1:59
